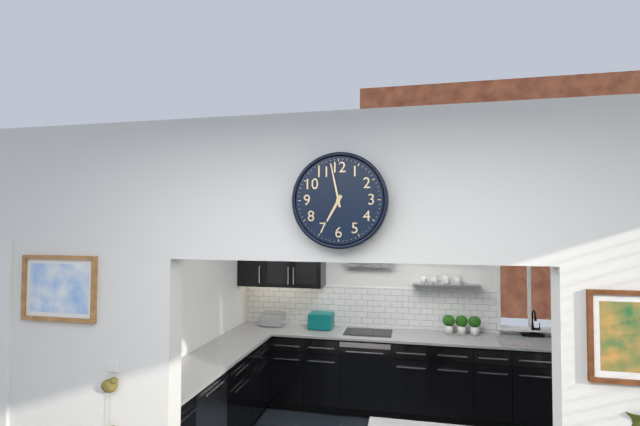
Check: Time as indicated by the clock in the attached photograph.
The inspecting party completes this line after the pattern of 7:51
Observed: 6:58
